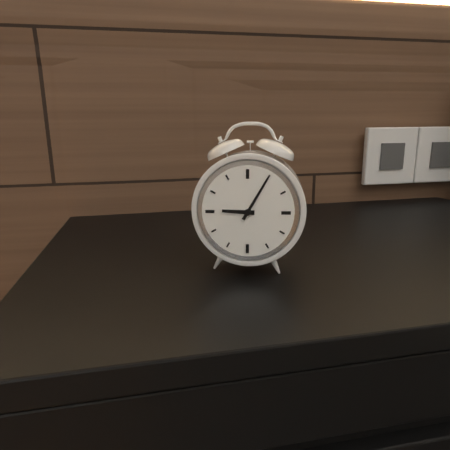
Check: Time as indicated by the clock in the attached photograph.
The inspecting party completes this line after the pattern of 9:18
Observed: 9:05
